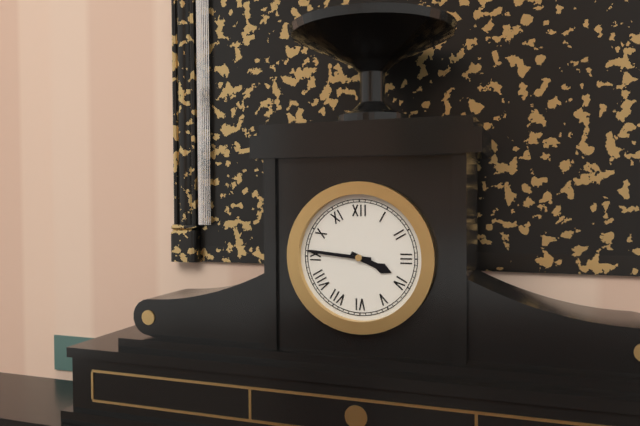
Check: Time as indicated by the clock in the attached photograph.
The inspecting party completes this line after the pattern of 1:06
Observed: 3:46
